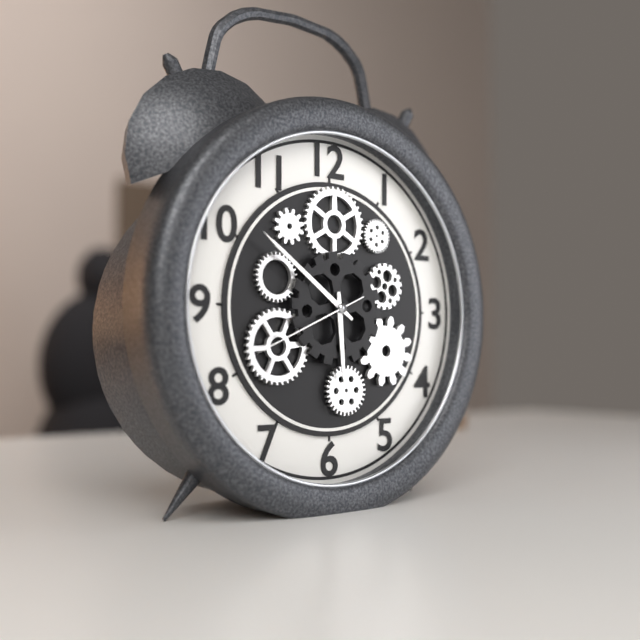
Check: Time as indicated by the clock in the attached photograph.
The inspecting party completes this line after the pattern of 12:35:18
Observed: 5:51:41
